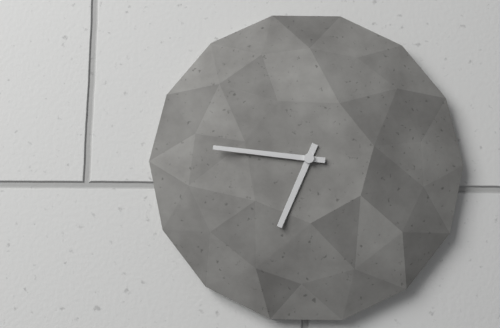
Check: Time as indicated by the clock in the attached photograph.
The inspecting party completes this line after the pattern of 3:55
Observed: 6:46
